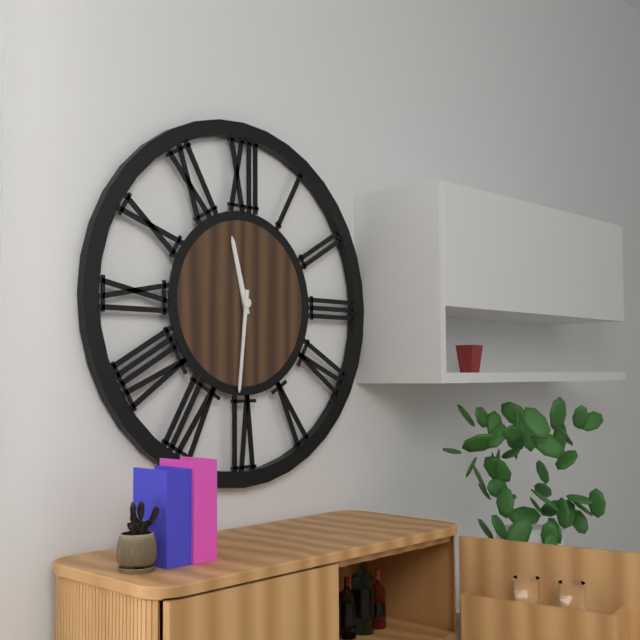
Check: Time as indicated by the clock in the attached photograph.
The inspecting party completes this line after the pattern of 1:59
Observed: 11:31
